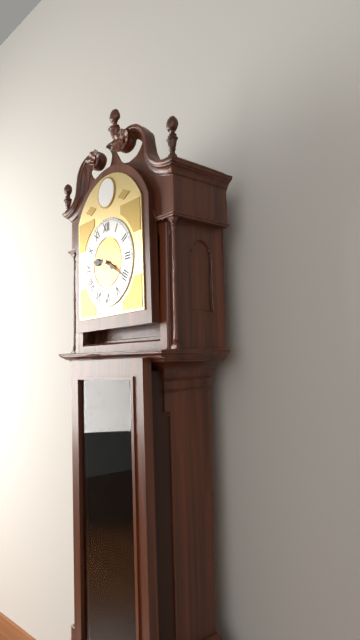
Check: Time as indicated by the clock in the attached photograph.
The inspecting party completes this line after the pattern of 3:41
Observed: 9:20
